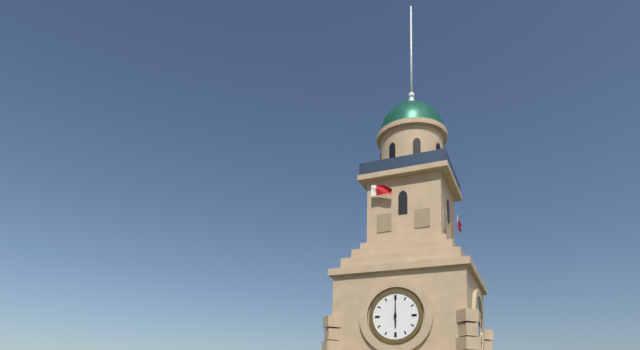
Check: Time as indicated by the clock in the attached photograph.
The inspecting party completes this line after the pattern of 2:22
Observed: 6:00
